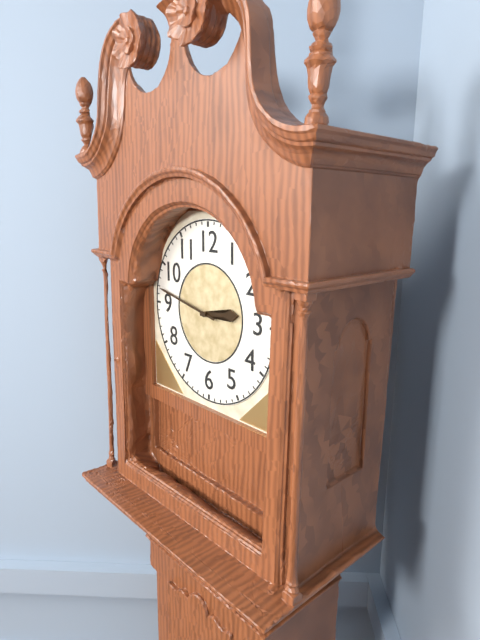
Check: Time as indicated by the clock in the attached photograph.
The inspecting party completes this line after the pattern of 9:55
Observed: 2:47
